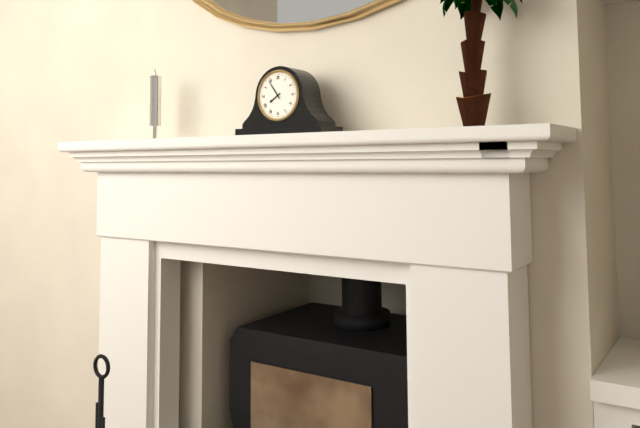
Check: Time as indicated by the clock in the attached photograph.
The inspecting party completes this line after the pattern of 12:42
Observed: 7:54
